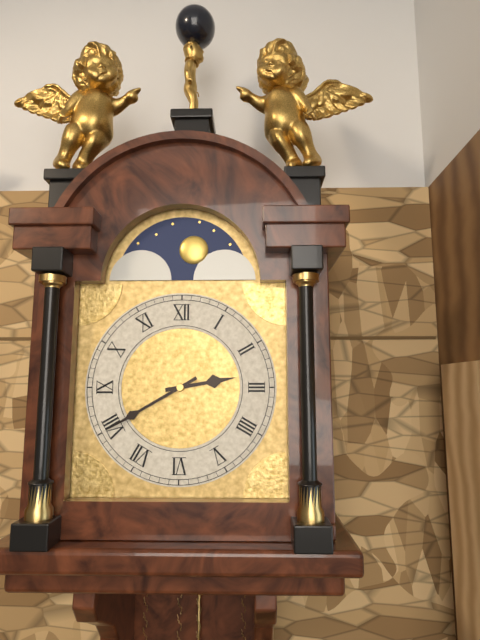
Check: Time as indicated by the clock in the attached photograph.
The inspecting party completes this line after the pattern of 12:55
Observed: 2:40
